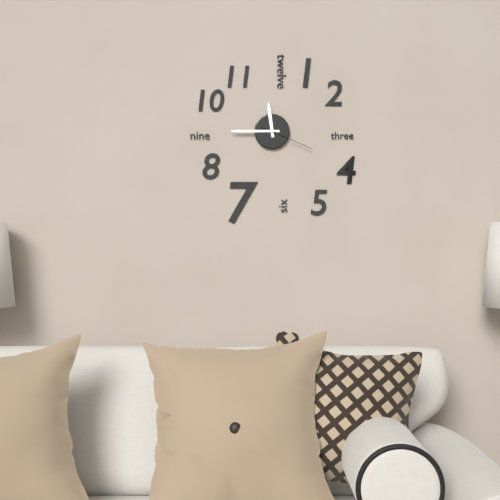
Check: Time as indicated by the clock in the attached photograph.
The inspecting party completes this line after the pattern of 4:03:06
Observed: 11:45:19
